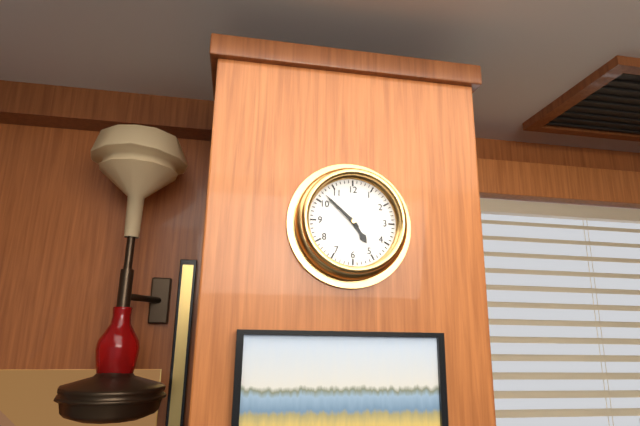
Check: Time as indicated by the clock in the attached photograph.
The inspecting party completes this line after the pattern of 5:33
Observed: 4:52
